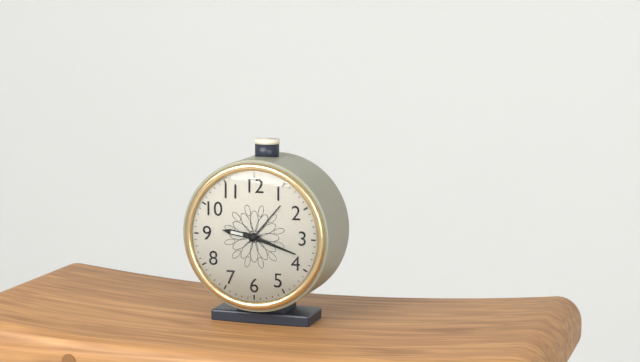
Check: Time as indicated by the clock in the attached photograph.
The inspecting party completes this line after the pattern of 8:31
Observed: 9:18
